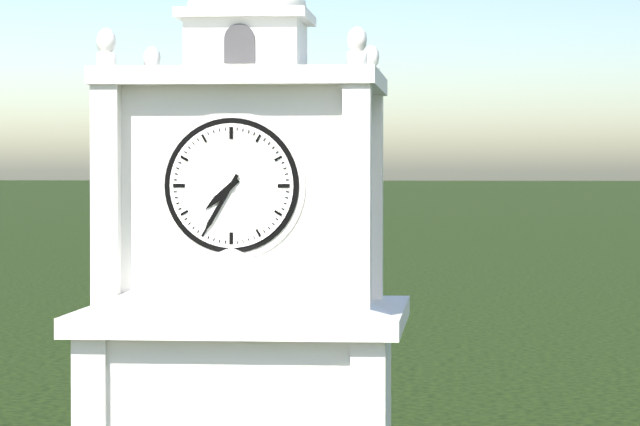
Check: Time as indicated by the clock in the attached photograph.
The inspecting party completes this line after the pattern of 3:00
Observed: 7:35
